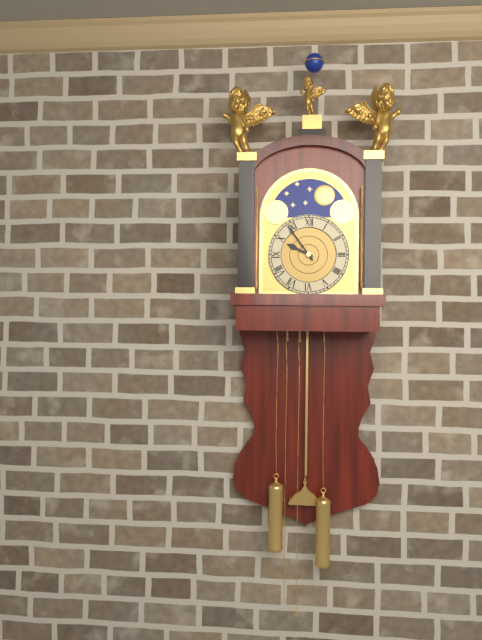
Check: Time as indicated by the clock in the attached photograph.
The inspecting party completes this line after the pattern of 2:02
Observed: 9:54
